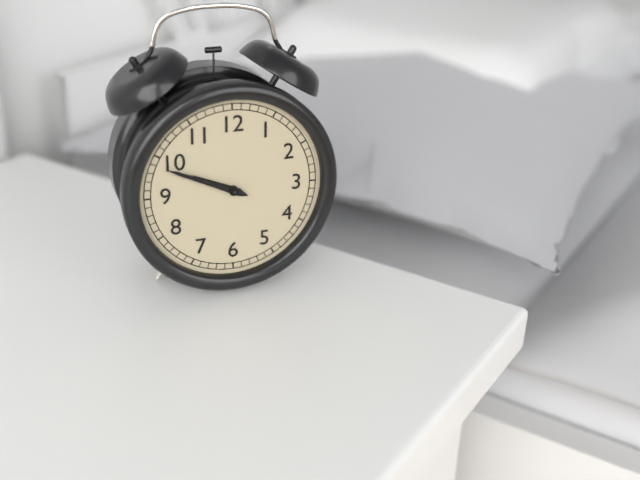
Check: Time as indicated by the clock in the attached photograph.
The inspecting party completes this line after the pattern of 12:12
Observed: 9:49
